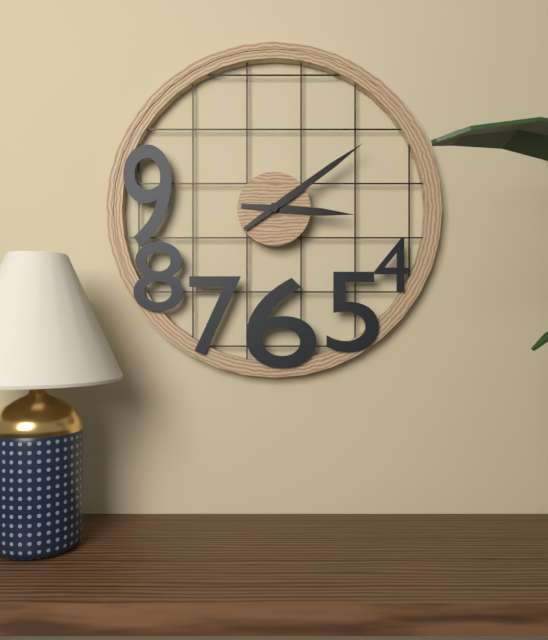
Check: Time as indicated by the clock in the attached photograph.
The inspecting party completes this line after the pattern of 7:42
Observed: 3:09
